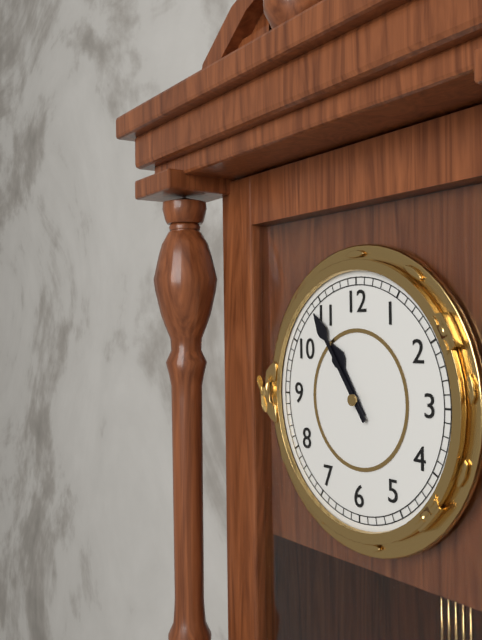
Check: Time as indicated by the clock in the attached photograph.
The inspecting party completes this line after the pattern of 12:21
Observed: 10:54
